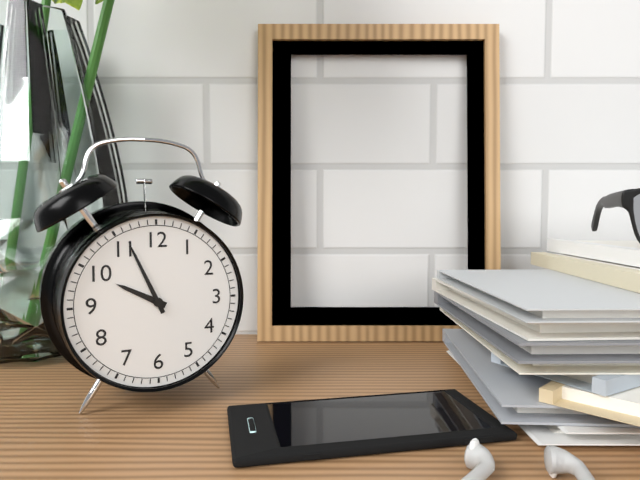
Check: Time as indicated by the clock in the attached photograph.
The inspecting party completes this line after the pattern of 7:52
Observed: 9:56
